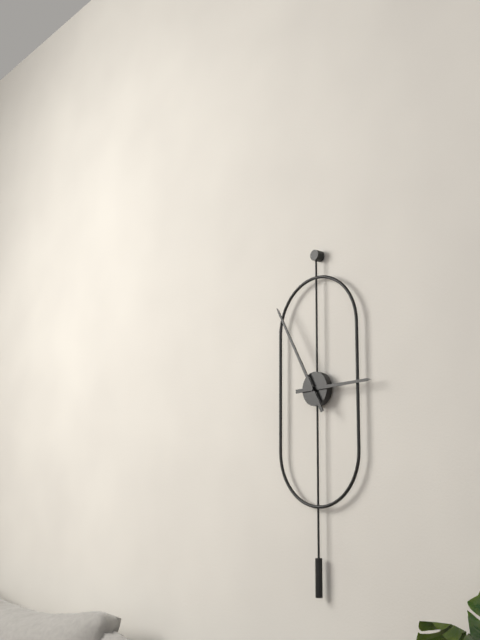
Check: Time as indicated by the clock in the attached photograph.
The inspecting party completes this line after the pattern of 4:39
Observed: 2:55
